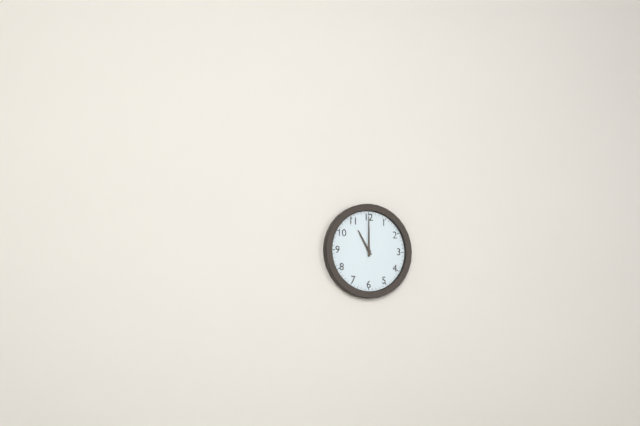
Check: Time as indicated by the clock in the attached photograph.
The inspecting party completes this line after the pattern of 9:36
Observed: 11:00
